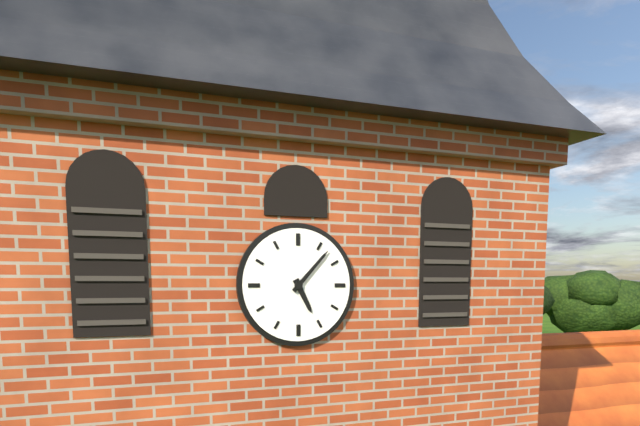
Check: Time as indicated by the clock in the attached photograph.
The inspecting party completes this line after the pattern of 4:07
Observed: 5:07
